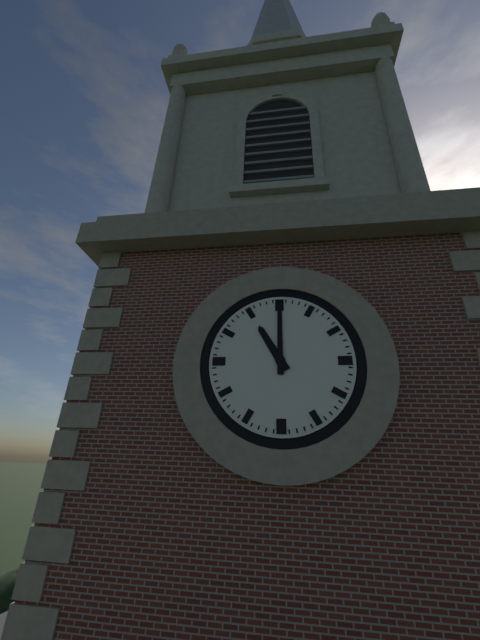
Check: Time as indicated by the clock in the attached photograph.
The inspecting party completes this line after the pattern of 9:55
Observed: 11:00
